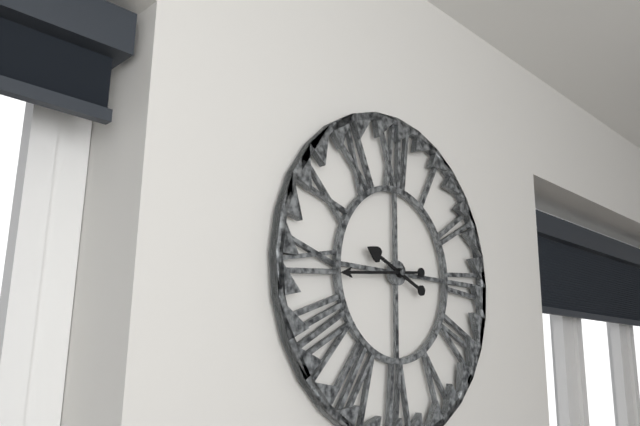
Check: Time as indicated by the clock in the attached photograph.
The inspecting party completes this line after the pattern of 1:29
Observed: 9:44
